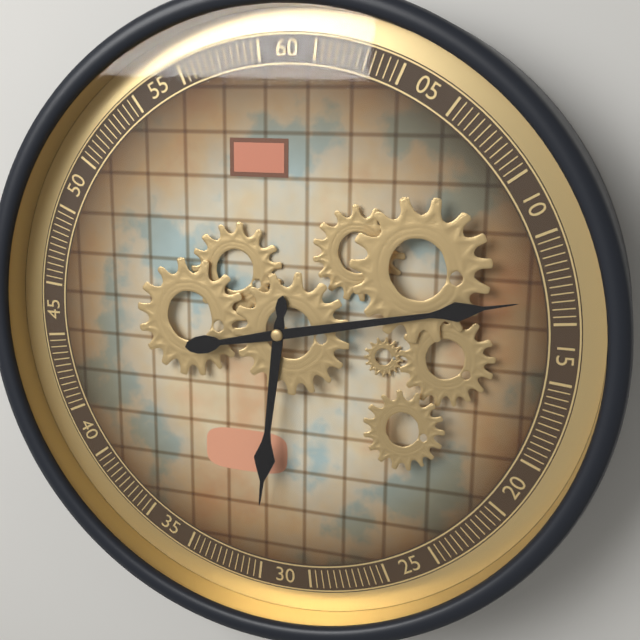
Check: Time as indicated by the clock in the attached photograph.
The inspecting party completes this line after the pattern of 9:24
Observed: 6:13
